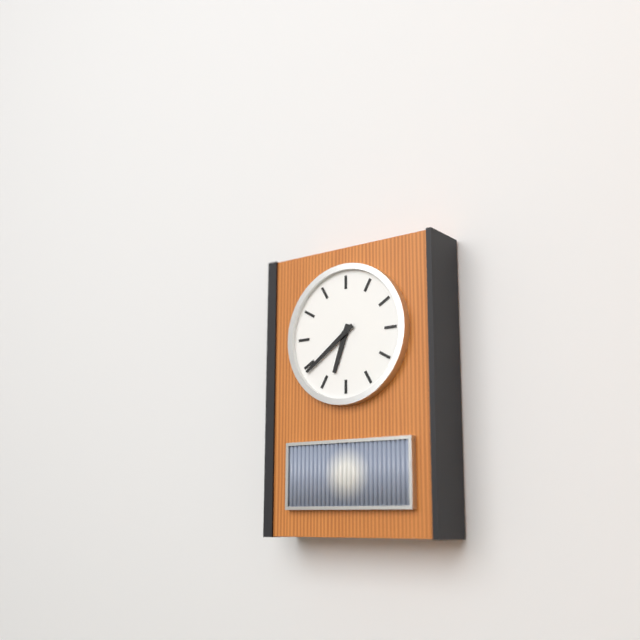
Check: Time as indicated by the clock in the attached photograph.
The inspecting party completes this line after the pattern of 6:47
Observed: 6:39
